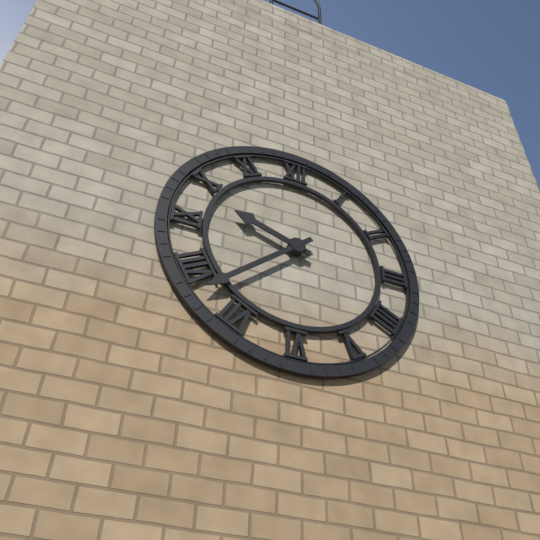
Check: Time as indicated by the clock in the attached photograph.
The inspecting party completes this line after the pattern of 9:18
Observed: 9:38
